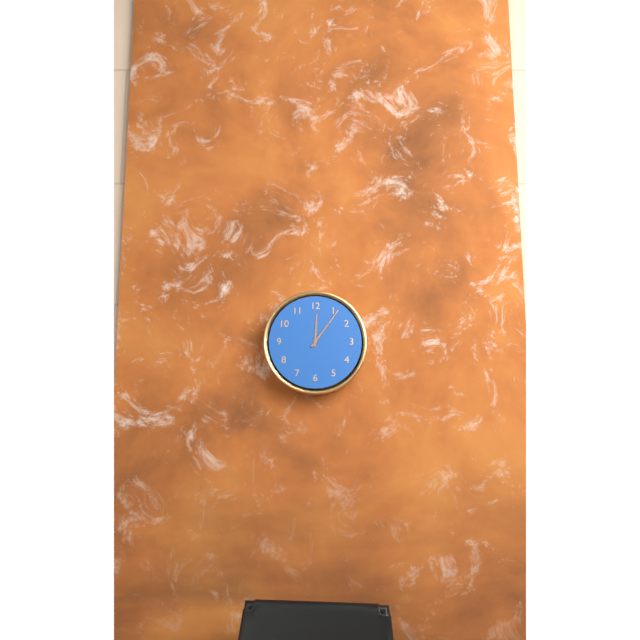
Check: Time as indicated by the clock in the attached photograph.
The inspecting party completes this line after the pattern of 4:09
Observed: 12:06
